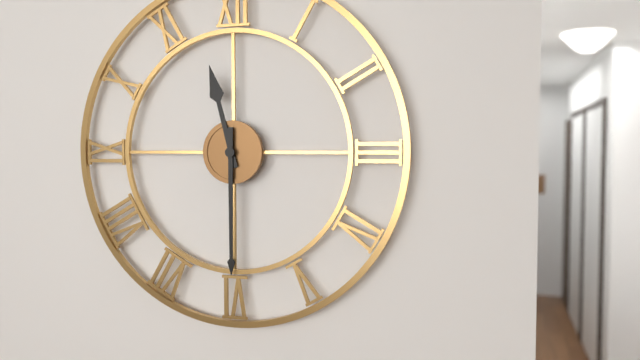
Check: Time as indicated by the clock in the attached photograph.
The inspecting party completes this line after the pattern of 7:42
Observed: 11:30
